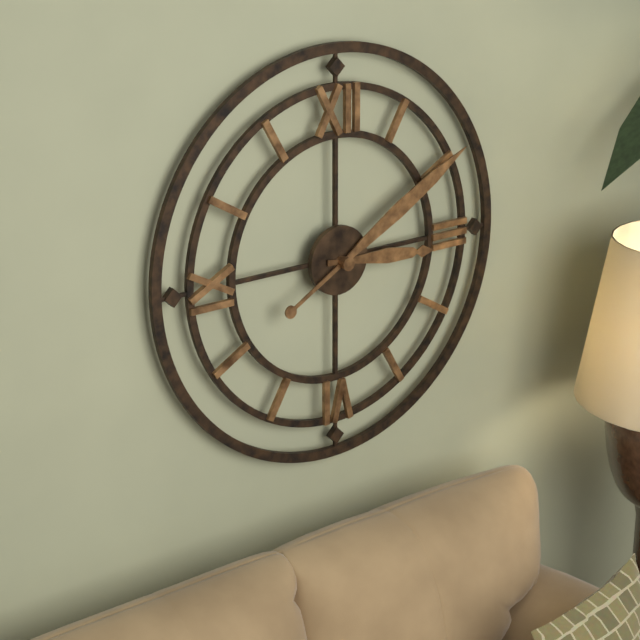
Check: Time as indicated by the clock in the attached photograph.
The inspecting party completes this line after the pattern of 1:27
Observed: 3:10
